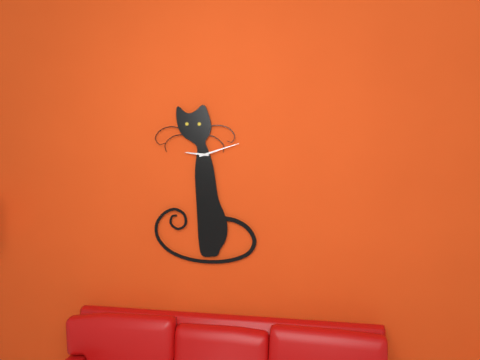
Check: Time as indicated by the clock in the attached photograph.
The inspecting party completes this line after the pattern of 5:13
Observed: 9:12
